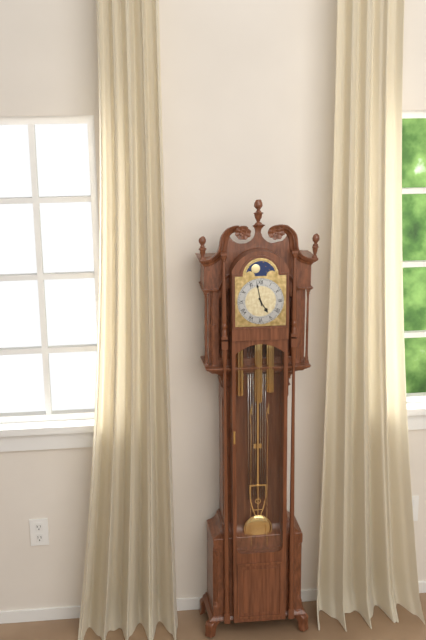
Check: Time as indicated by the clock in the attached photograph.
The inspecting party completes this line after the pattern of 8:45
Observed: 4:58
